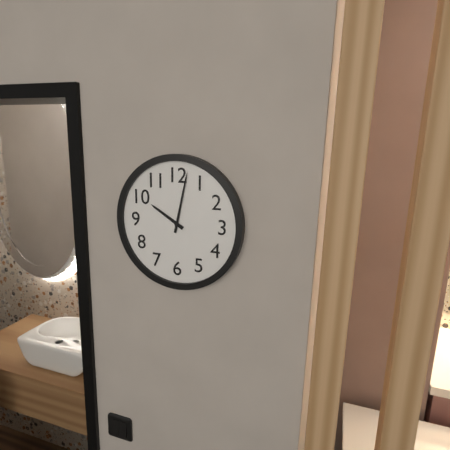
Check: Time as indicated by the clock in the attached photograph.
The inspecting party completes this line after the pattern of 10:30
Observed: 10:02
